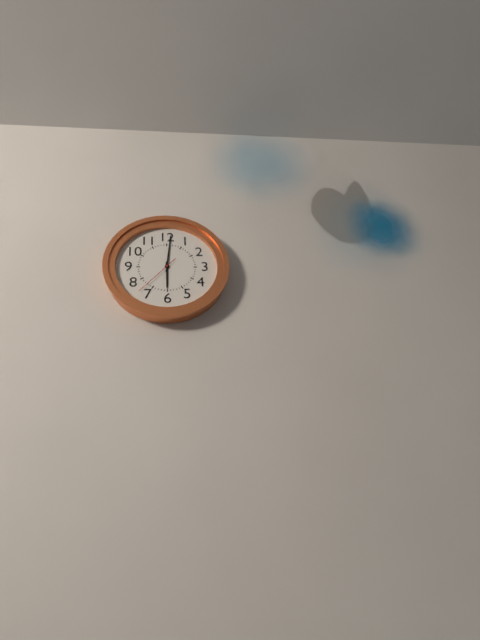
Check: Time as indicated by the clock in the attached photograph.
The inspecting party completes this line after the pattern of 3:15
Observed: 6:01
